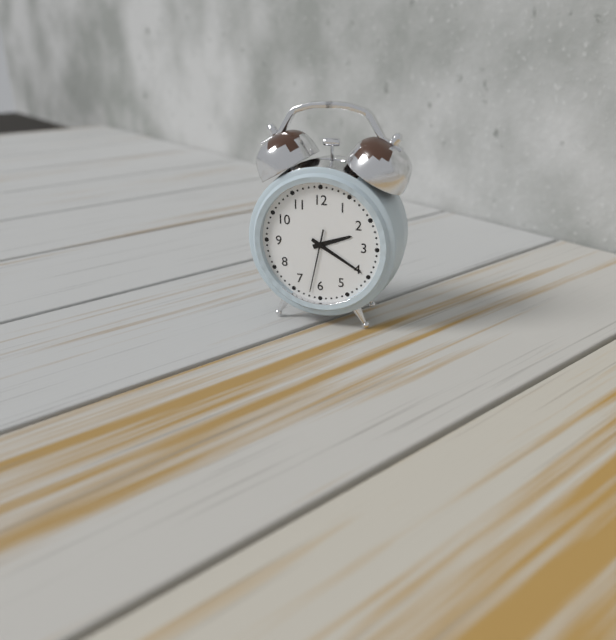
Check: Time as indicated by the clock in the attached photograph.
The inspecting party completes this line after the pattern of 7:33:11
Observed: 2:20:32
